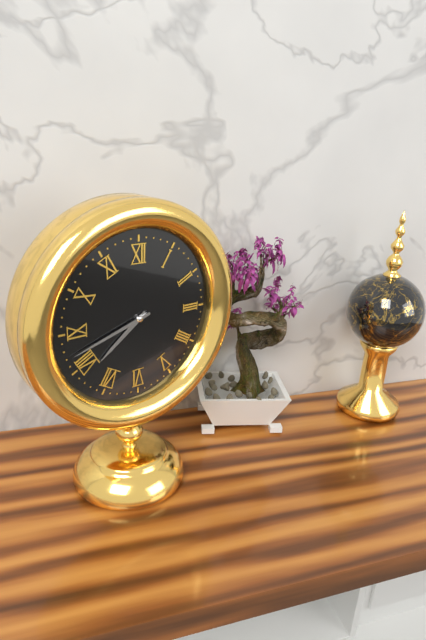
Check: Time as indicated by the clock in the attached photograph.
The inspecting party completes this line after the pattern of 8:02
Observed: 7:42
